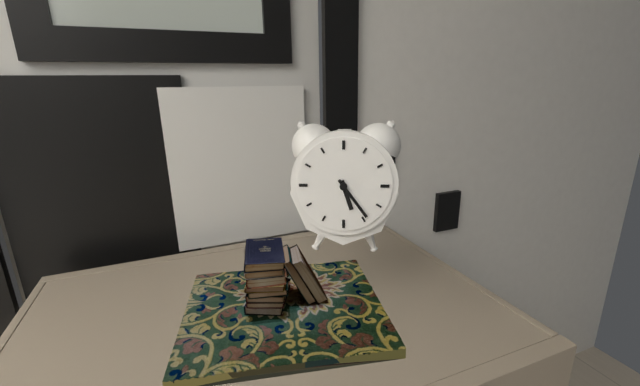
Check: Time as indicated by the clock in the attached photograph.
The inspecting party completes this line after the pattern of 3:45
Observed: 5:24
